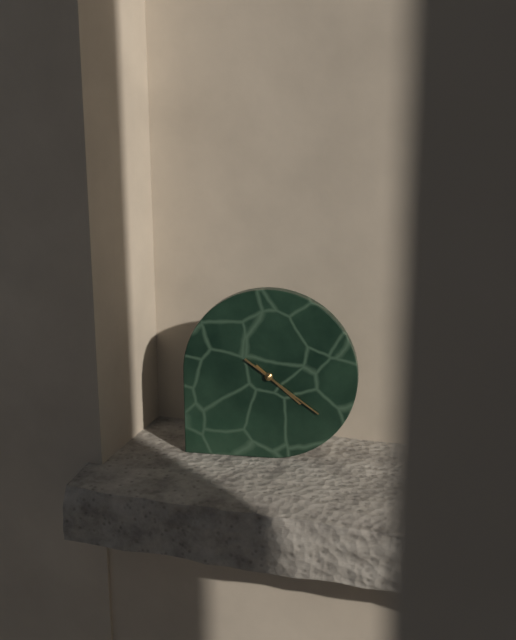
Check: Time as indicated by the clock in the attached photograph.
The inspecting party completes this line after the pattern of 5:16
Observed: 4:21
